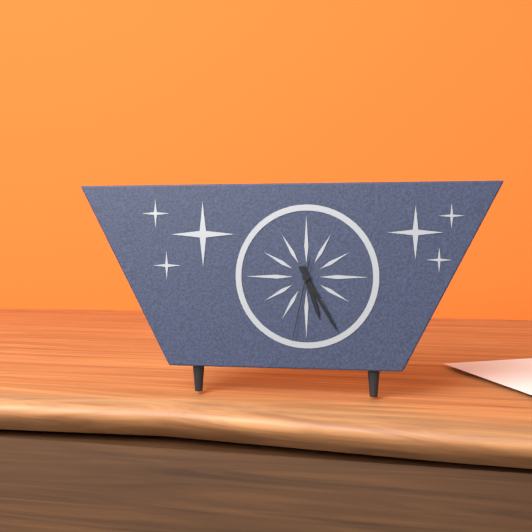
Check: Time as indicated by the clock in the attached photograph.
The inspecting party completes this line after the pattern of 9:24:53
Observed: 5:25:32
